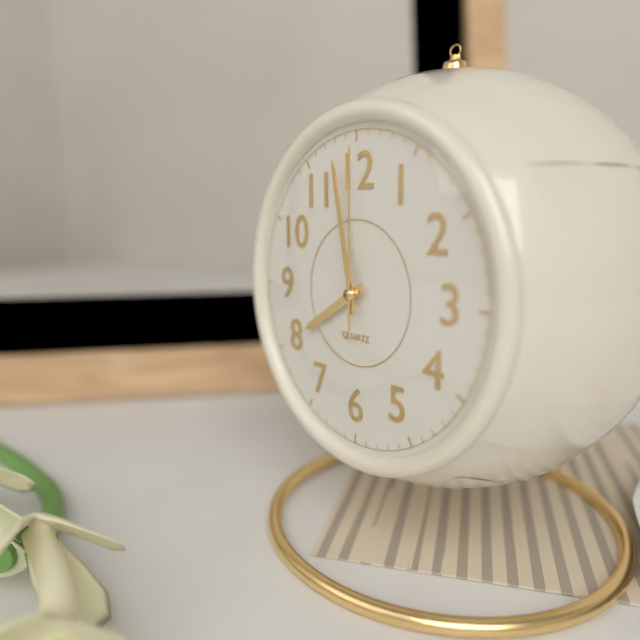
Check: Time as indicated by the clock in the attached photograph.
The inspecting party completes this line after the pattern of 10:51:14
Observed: 7:58:00
